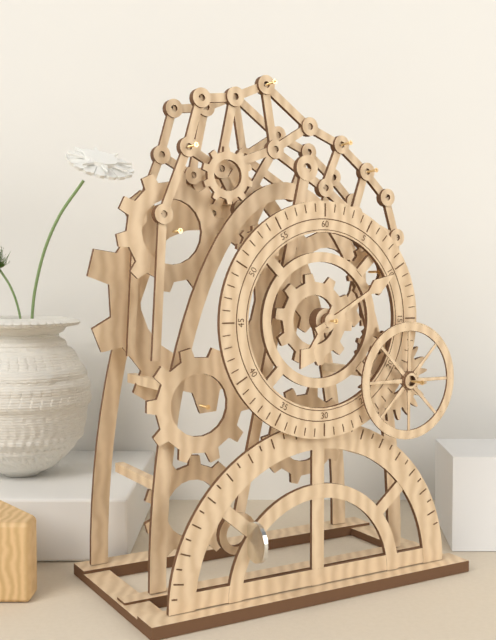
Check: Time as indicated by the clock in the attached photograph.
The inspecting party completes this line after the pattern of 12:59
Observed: 7:10
